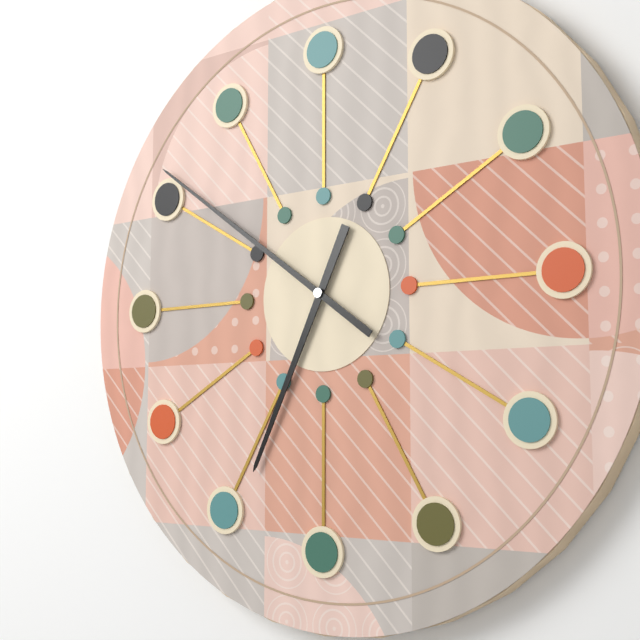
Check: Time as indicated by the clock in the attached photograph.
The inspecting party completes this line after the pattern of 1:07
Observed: 6:51
